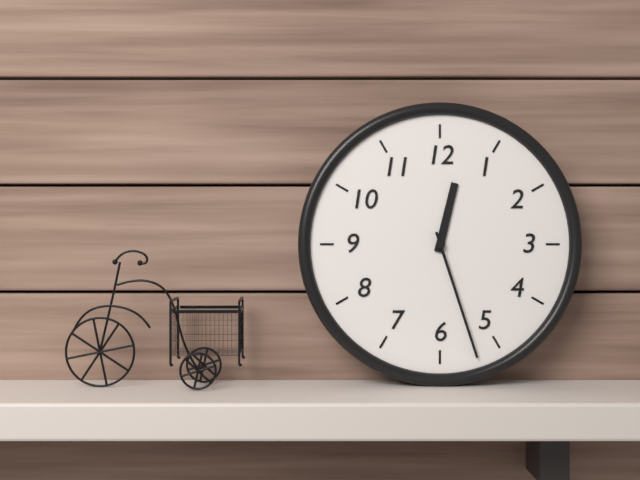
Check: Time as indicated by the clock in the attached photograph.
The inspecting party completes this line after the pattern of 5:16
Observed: 12:27
